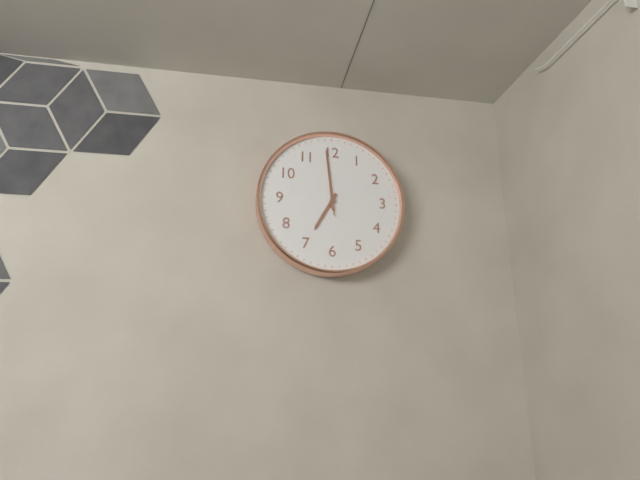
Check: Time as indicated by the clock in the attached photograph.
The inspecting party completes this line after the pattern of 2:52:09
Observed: 6:59:59
